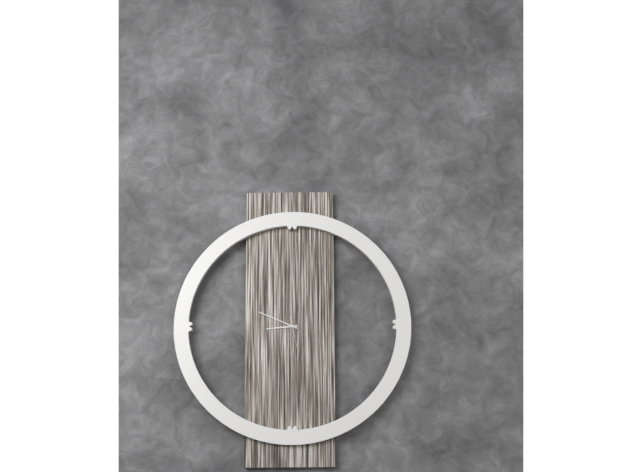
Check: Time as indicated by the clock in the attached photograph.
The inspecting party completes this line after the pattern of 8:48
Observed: 8:49
